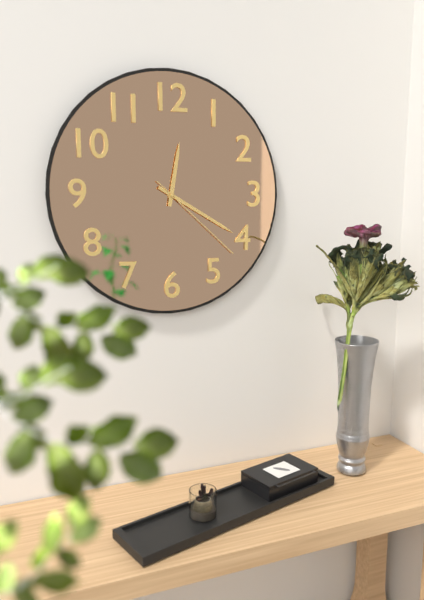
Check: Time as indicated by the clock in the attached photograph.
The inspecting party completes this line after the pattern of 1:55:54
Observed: 12:20:22
